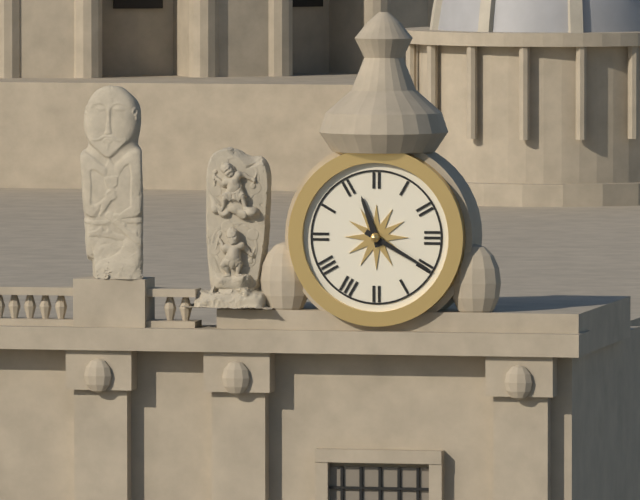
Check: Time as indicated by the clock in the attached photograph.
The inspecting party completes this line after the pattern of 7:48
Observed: 11:20
